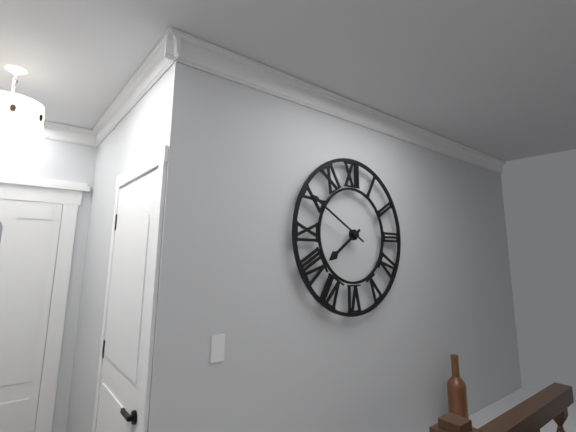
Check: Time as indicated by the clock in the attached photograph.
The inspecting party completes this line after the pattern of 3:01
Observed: 7:50
